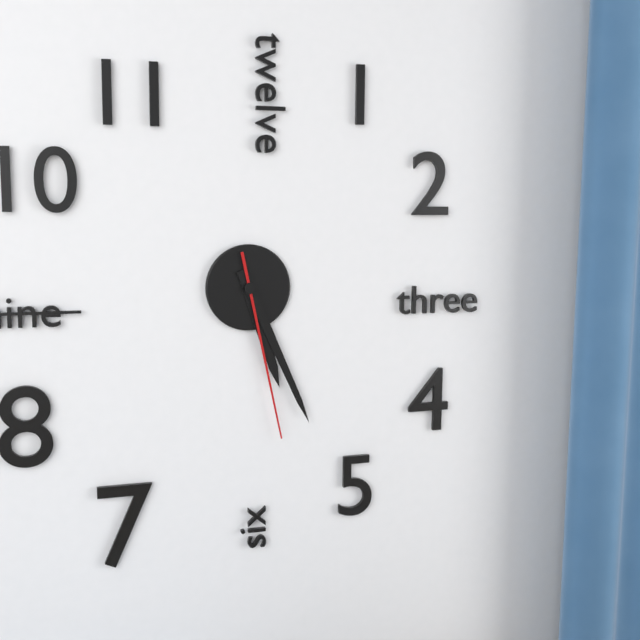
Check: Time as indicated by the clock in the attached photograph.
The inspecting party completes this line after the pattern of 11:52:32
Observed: 5:26:28
